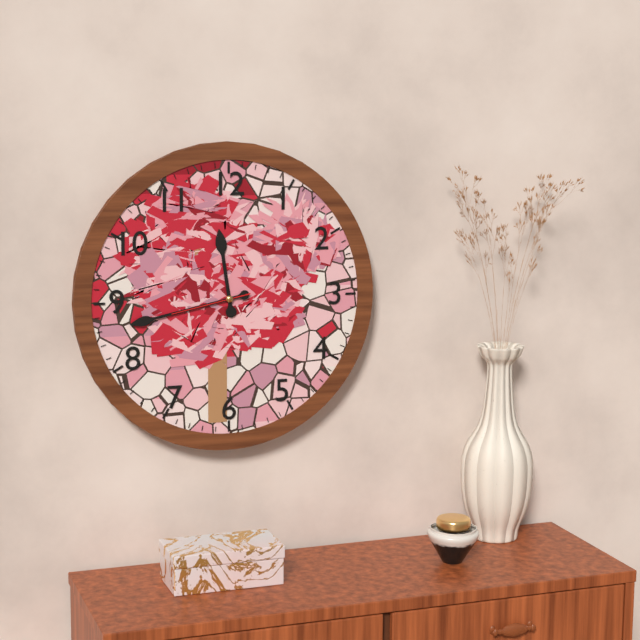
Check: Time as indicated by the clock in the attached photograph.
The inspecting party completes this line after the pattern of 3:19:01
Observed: 11:43:43
